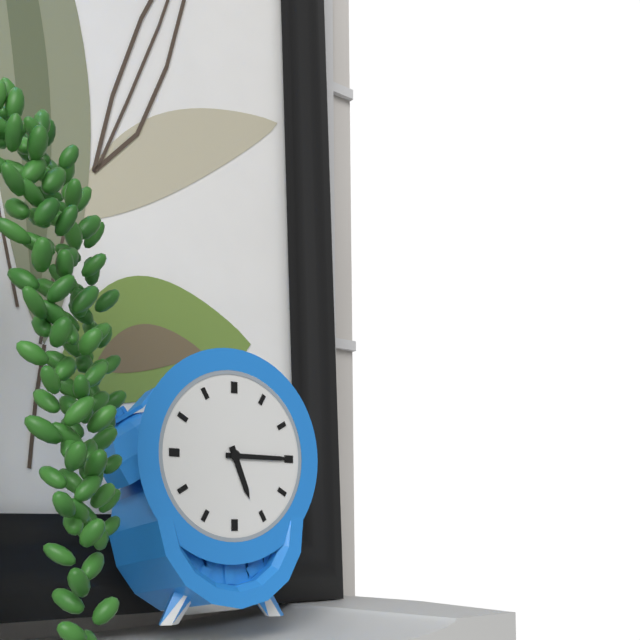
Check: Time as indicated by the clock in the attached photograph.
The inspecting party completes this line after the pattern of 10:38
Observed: 5:15
